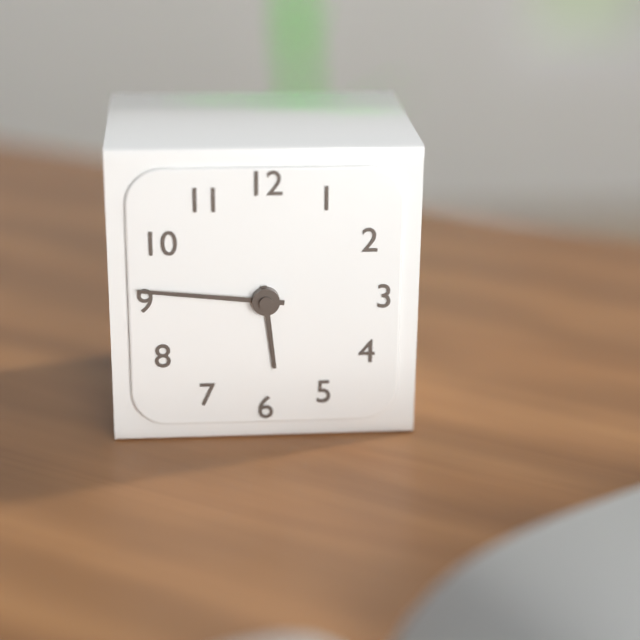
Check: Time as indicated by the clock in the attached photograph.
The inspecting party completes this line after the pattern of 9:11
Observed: 5:46
